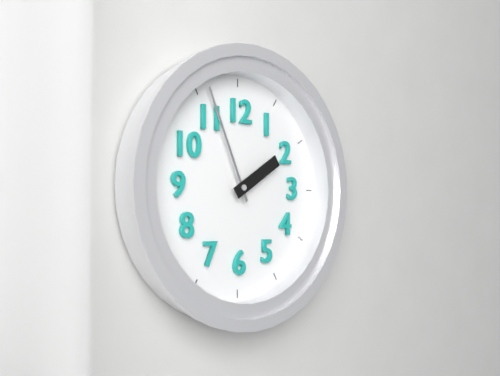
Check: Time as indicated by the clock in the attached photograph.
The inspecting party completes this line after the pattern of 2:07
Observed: 1:56
